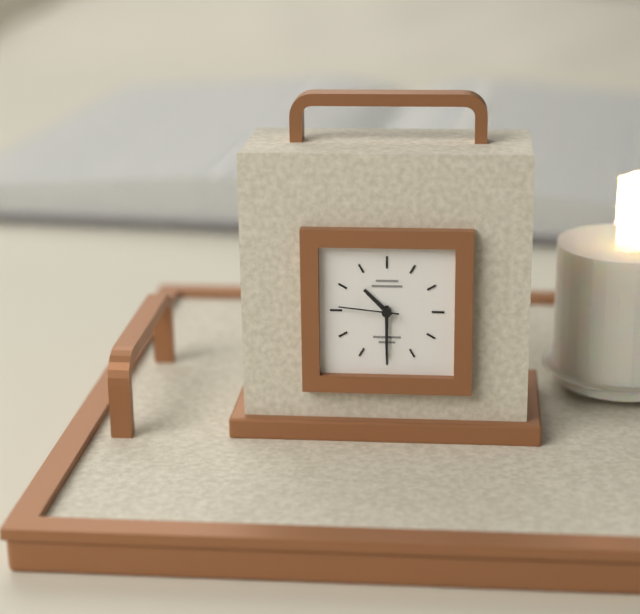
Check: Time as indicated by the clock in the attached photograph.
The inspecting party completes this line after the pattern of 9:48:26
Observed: 10:30:46
